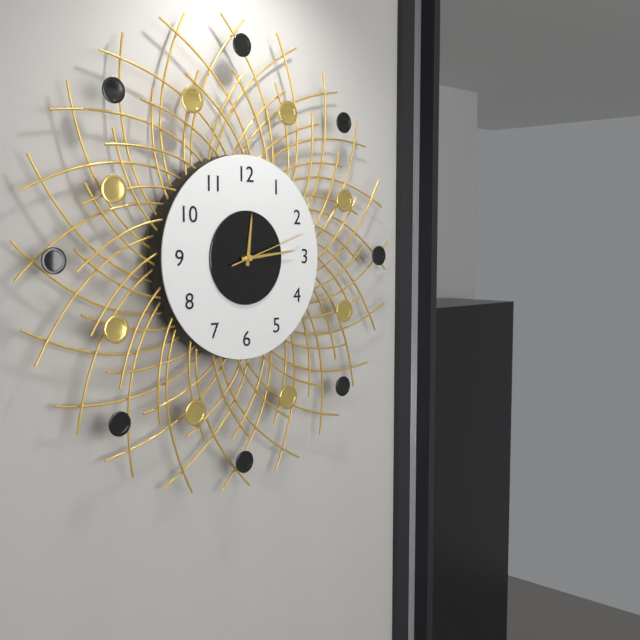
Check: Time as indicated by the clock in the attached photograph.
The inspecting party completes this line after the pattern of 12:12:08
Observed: 12:14:12
